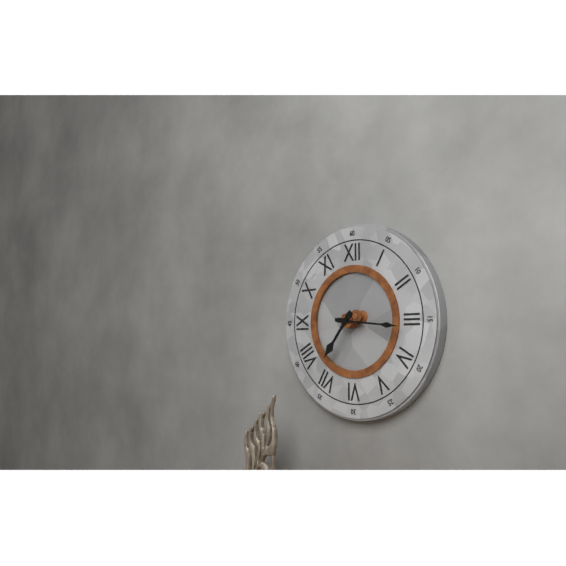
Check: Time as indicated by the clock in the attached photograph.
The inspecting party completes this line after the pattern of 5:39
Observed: 7:16
